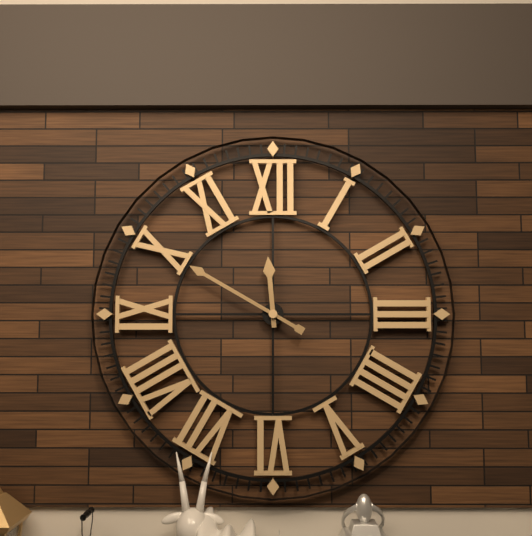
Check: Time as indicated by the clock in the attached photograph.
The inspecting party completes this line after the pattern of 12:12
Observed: 11:50
